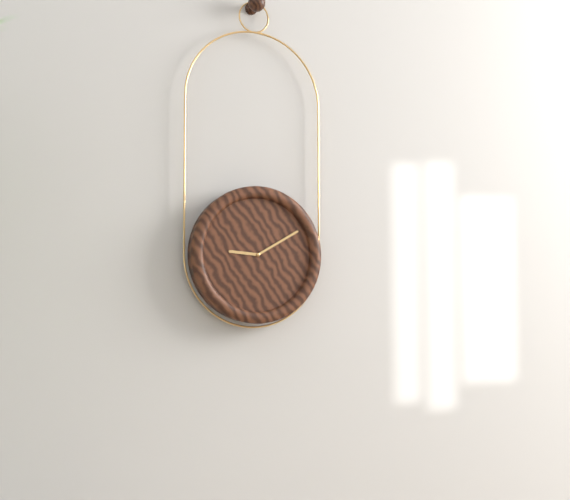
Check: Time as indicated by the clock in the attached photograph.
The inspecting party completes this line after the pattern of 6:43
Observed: 9:10
